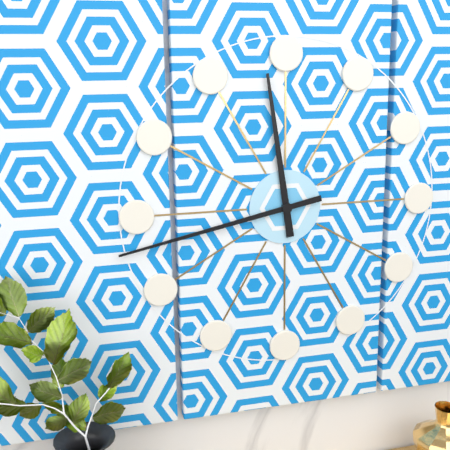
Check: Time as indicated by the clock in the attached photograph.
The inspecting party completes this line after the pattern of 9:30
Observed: 11:43
